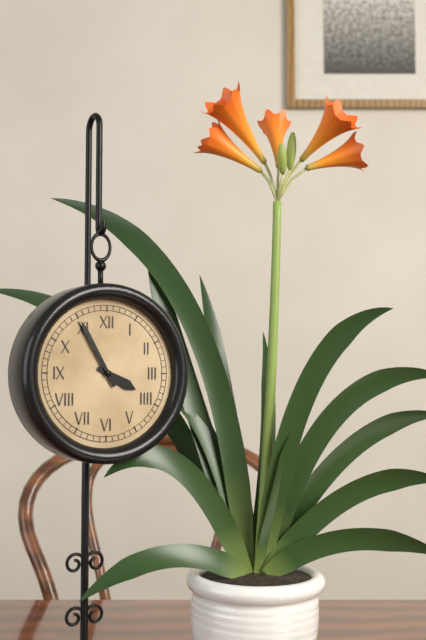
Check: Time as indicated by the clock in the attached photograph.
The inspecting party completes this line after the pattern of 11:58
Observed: 3:55
